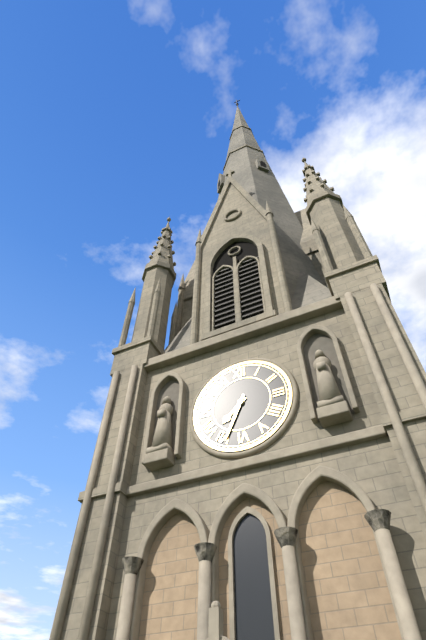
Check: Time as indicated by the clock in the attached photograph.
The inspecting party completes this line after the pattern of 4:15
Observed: 7:34
